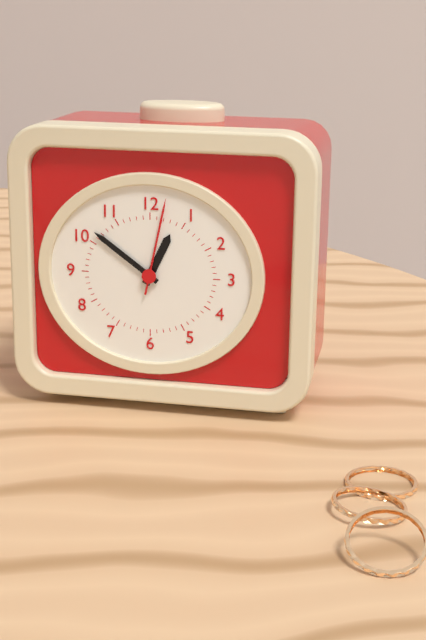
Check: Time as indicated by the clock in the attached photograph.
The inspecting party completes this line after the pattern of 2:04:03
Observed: 12:51:02
